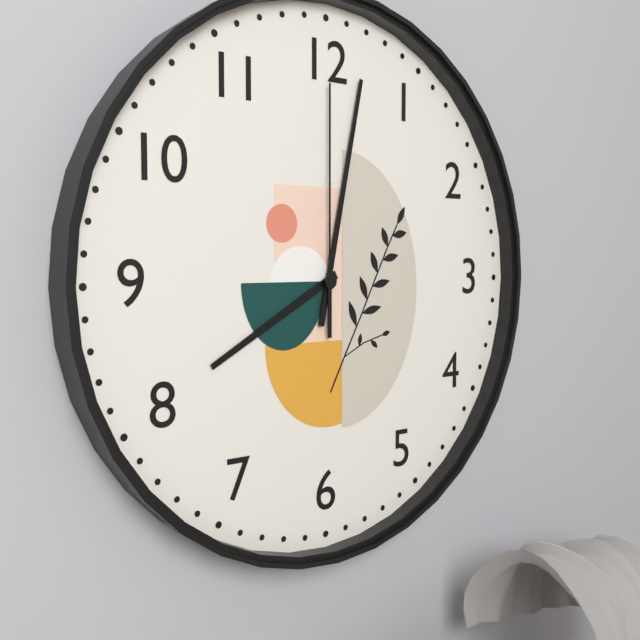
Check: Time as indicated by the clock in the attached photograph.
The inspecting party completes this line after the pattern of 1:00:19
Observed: 8:02:00
